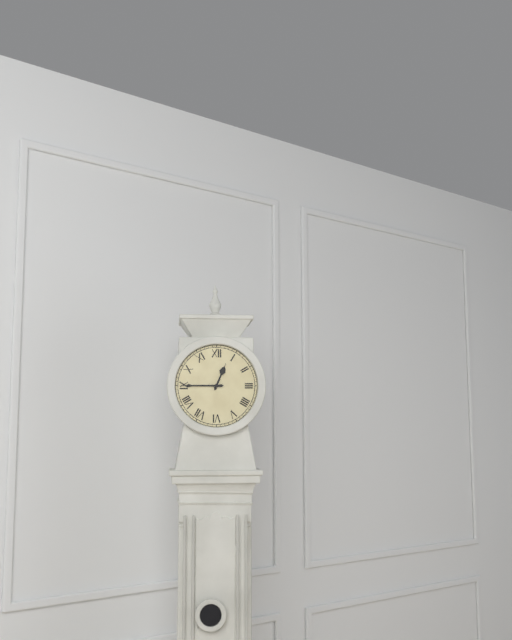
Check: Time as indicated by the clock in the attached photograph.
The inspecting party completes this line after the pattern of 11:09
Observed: 12:45
